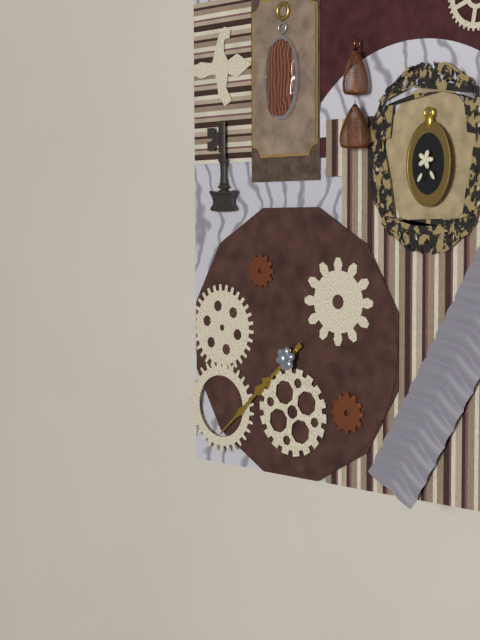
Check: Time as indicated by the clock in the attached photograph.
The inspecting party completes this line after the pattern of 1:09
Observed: 7:38
